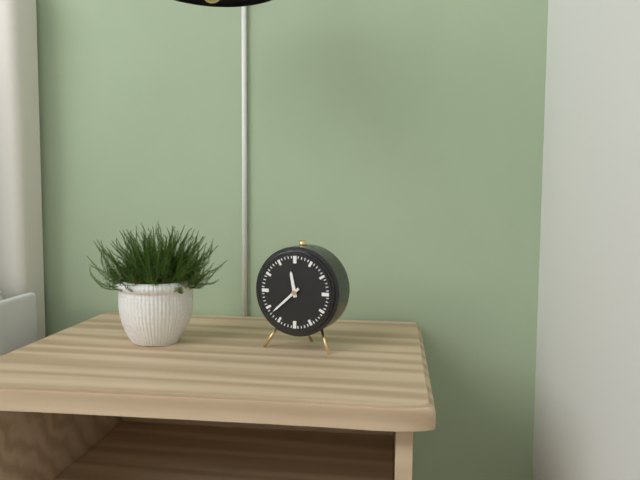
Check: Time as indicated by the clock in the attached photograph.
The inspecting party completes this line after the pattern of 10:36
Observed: 11:38
